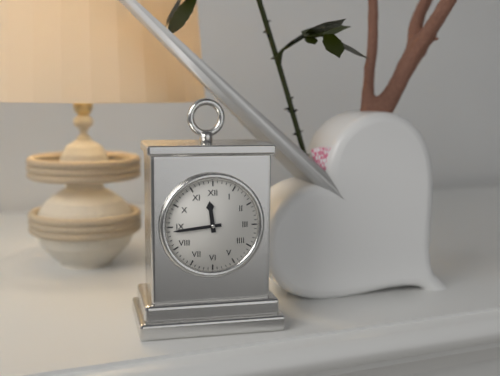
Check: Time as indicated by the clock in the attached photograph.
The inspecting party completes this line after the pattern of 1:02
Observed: 11:44
